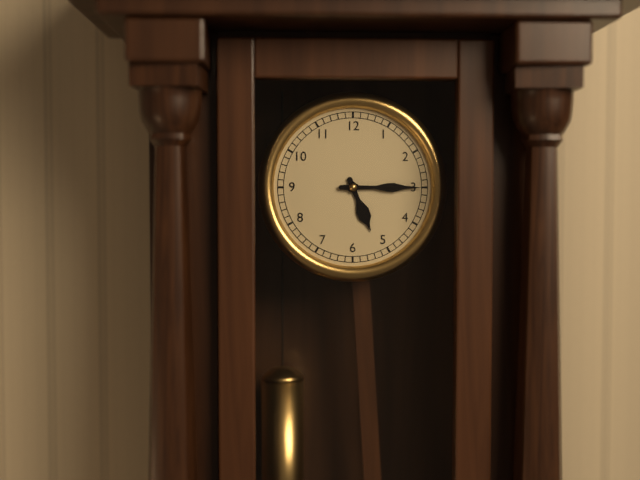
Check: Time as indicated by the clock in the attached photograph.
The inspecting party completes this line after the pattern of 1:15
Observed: 5:15
